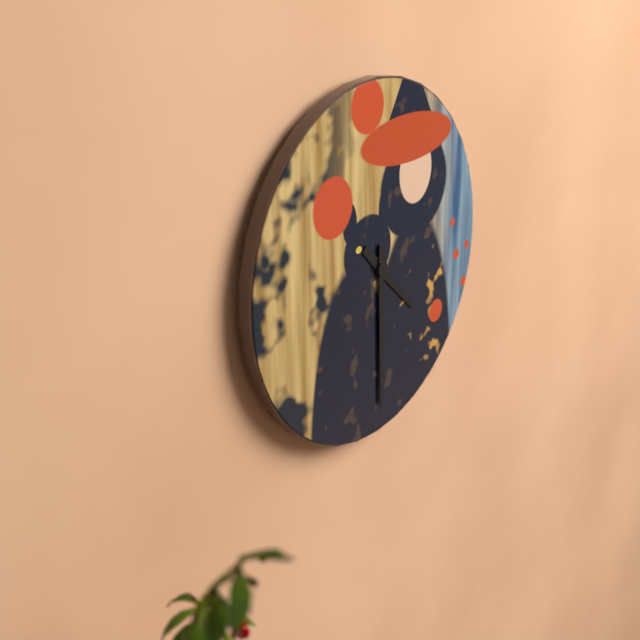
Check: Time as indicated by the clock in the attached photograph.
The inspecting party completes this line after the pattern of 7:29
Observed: 4:30
